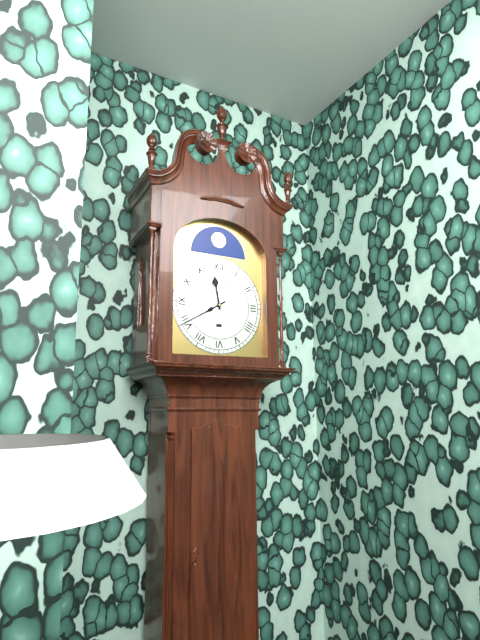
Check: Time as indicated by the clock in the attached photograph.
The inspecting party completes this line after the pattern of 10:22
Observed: 11:40
